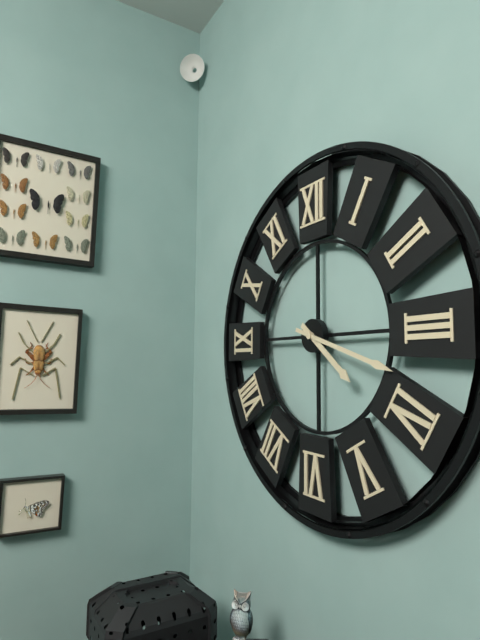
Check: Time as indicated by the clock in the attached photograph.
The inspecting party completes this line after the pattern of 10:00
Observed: 4:18
